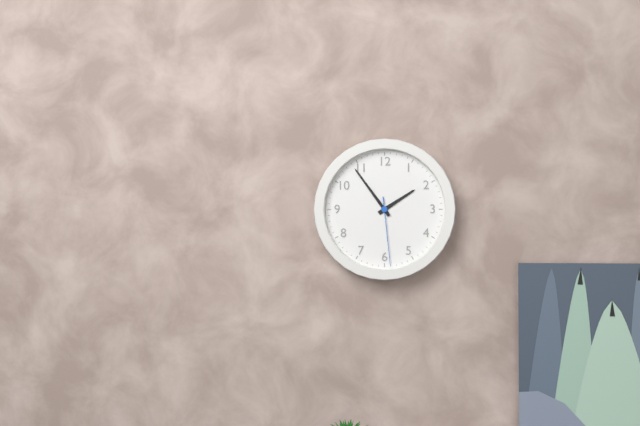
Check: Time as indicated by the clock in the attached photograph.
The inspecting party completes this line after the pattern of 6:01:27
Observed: 1:54:29
